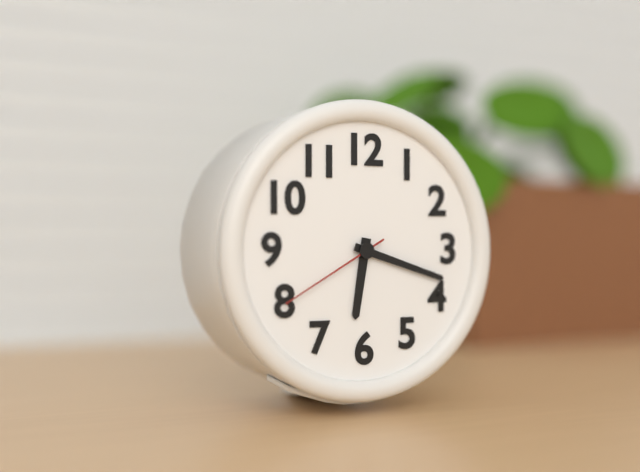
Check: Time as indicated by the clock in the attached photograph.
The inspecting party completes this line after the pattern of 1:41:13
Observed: 6:18:40
